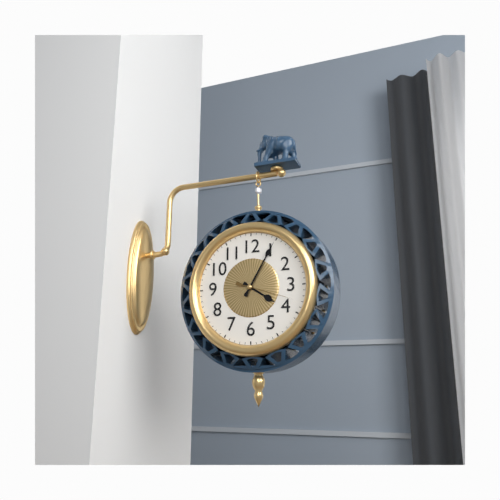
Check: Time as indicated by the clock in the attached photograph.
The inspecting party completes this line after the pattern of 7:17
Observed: 4:05
